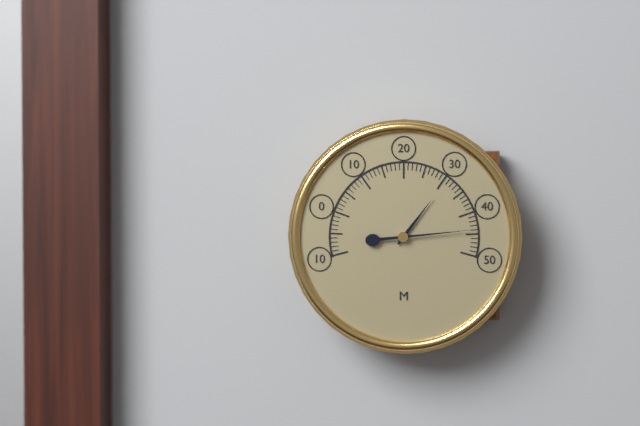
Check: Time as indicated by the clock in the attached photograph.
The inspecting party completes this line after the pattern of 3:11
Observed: 1:14
